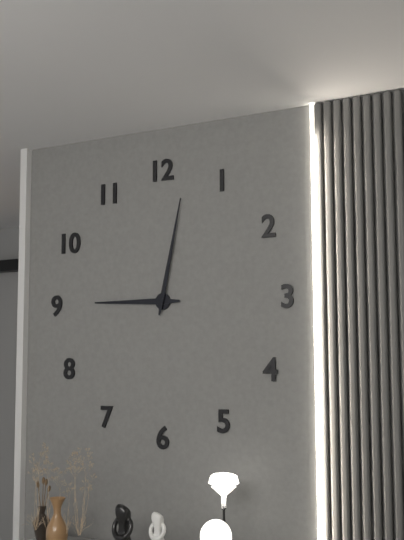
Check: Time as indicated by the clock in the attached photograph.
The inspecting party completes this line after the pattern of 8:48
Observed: 9:02
